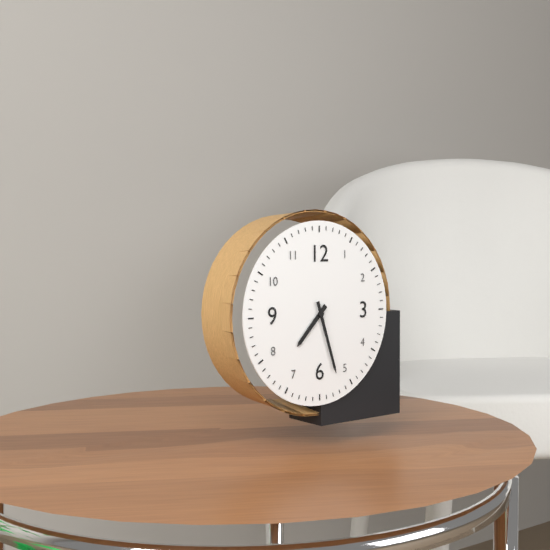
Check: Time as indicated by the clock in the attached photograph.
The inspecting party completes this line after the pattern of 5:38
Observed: 7:27
